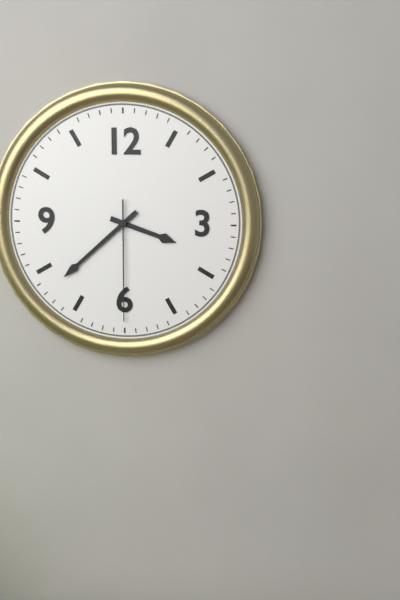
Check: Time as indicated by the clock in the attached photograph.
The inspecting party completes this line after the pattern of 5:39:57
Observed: 3:38:30
